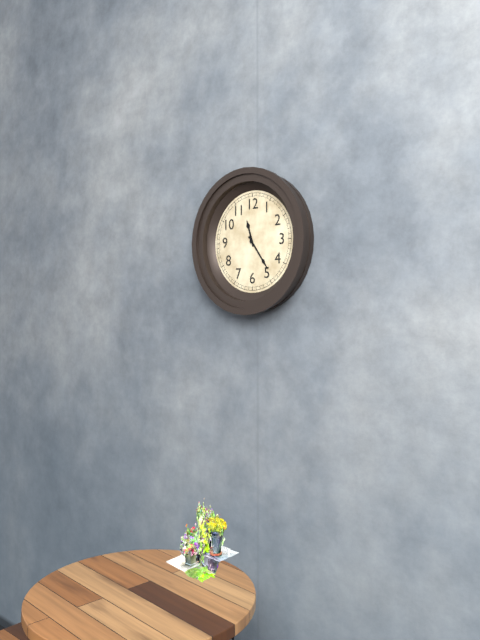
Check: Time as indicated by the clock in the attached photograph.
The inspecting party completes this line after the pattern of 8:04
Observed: 11:24
